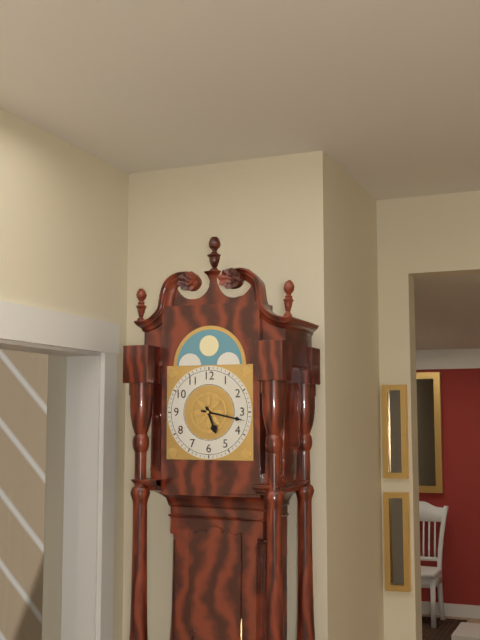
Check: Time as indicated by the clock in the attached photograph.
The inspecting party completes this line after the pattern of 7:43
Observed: 5:17
